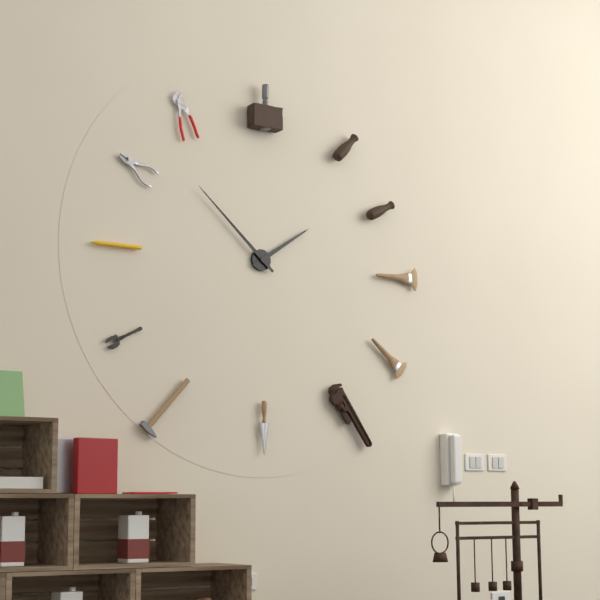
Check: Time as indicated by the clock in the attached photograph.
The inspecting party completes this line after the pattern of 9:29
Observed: 1:52
